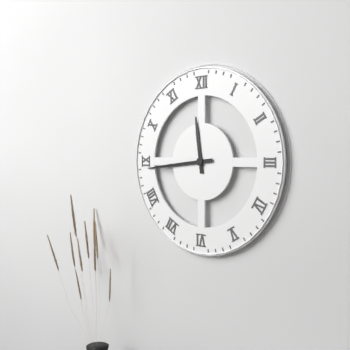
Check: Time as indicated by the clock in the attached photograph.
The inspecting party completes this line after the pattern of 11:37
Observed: 11:44
